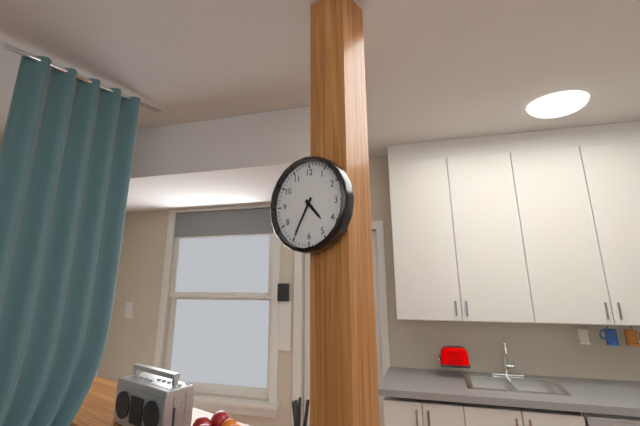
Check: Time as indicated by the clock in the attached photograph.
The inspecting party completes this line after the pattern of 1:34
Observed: 4:35
